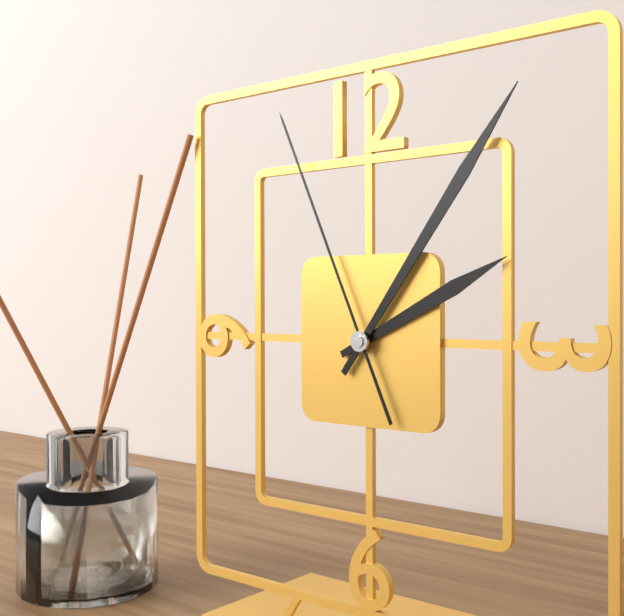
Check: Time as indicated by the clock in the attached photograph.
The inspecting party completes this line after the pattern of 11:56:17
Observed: 2:06:56
